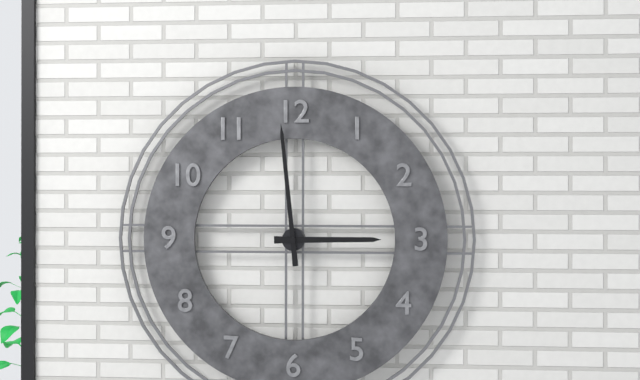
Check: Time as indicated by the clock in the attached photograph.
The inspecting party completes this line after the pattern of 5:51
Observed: 2:59
